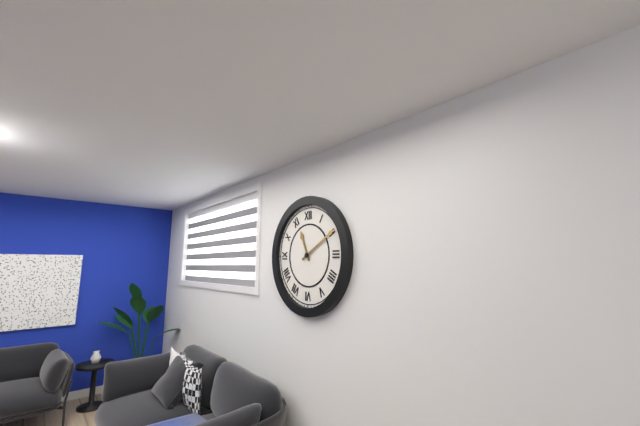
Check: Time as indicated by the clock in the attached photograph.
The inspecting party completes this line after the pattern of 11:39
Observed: 11:10
